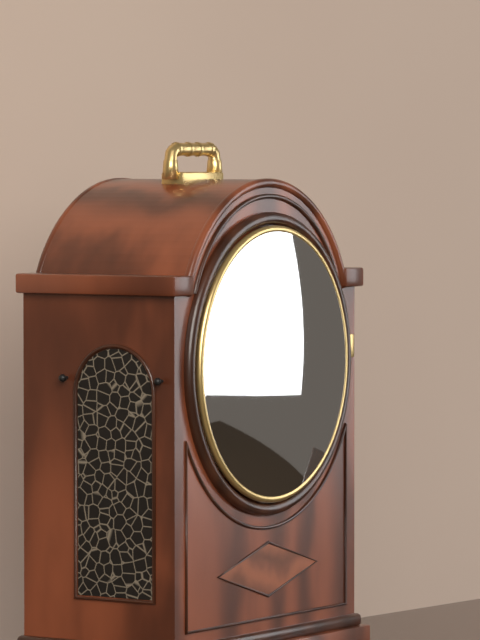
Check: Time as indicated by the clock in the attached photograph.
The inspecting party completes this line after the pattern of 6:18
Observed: 9:12
